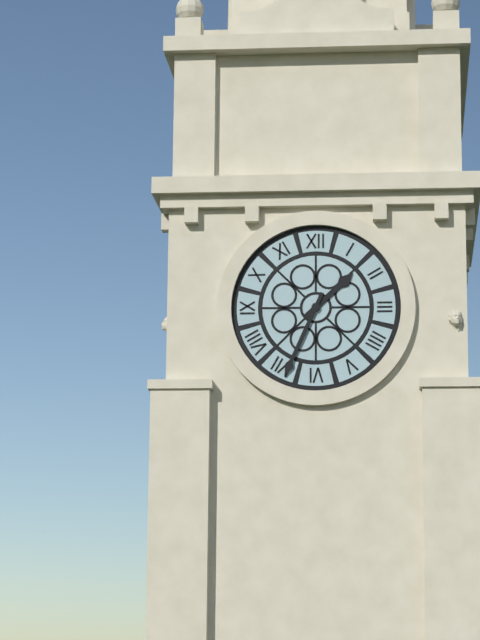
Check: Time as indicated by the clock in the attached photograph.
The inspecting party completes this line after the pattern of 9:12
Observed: 1:34
